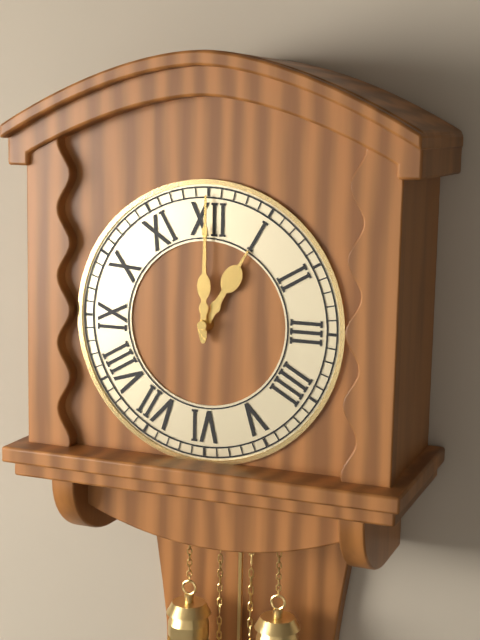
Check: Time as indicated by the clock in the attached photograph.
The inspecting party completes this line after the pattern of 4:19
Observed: 1:00
